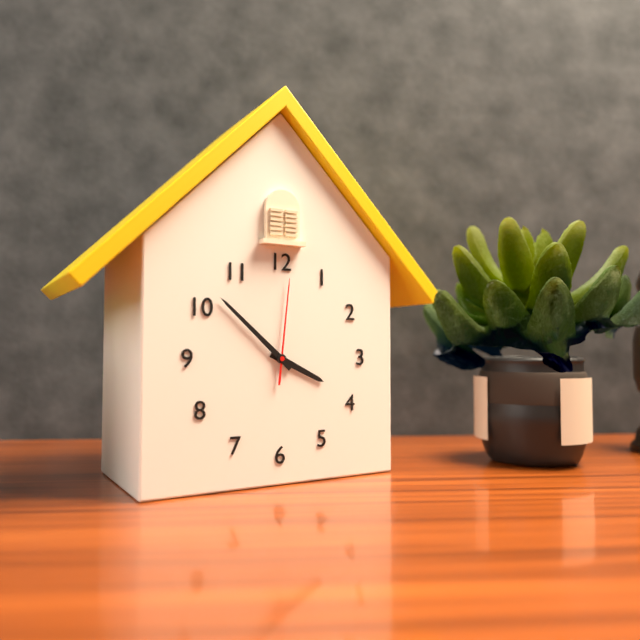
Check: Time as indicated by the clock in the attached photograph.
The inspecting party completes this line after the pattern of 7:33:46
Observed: 3:52:01
